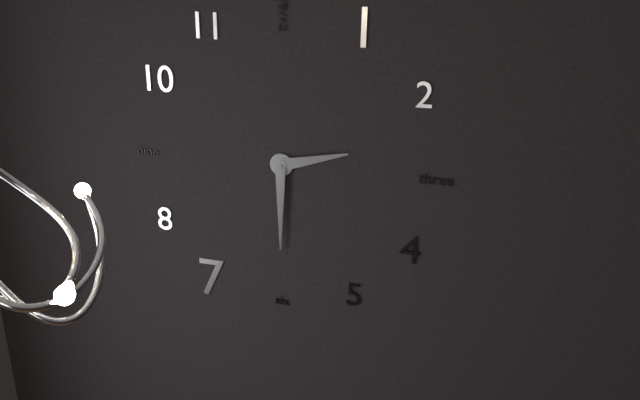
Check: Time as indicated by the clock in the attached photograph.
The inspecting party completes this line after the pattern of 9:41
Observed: 2:30
